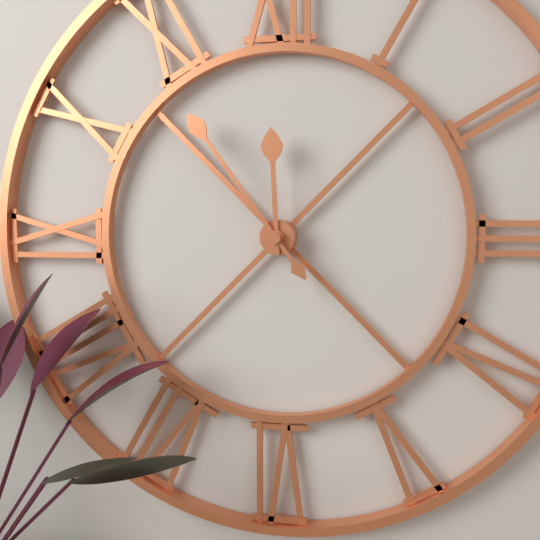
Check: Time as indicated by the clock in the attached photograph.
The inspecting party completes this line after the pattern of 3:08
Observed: 11:54
